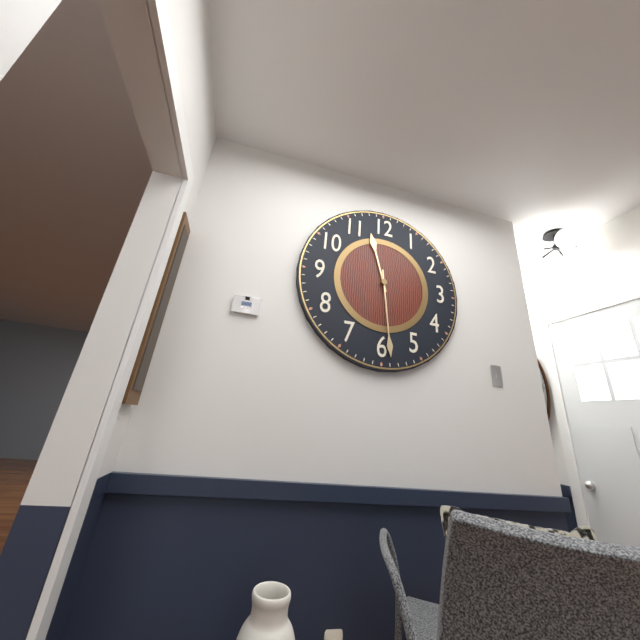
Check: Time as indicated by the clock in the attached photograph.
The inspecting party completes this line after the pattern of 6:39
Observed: 11:29
